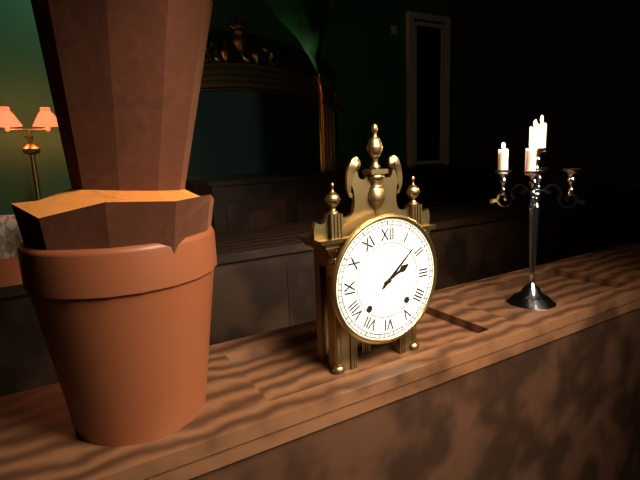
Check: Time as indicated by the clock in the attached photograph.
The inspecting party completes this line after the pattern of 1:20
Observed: 2:08
